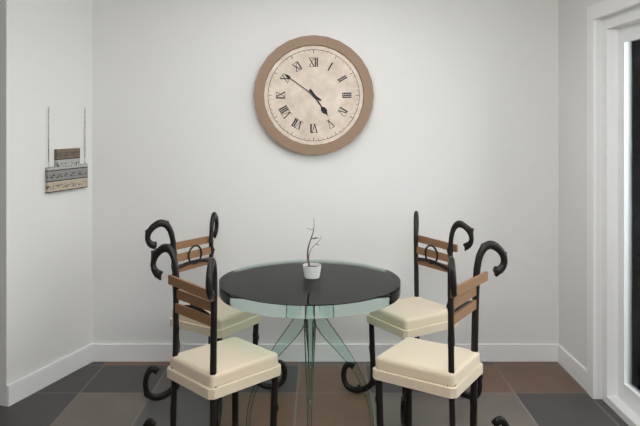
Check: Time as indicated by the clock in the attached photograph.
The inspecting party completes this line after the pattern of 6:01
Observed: 4:51
